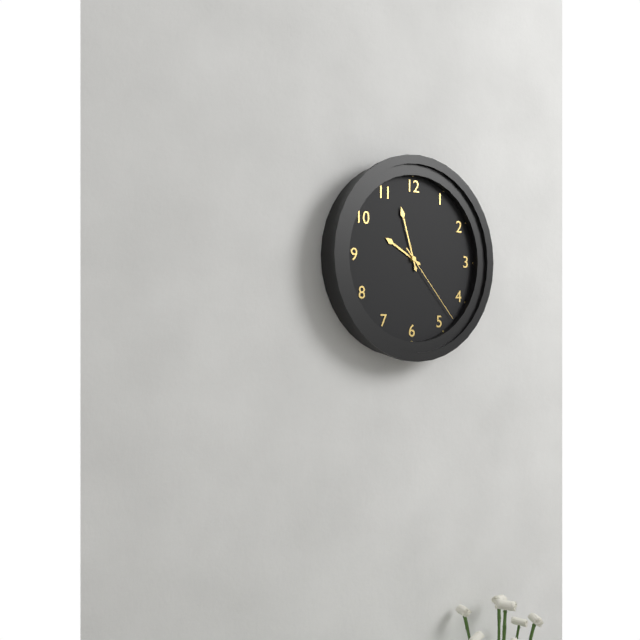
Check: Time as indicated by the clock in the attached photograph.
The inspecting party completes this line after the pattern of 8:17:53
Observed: 9:57:23
